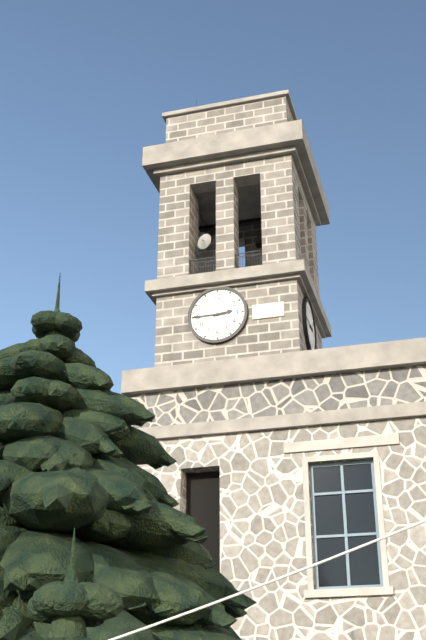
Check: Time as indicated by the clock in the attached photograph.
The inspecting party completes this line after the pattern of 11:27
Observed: 2:45
